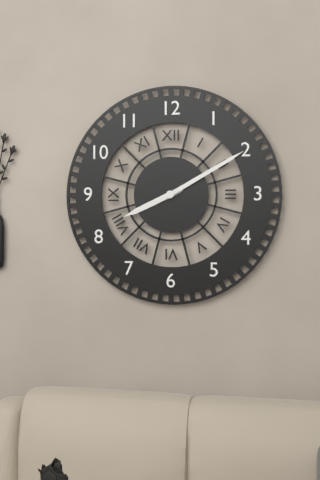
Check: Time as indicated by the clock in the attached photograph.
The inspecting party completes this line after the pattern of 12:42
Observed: 8:10
